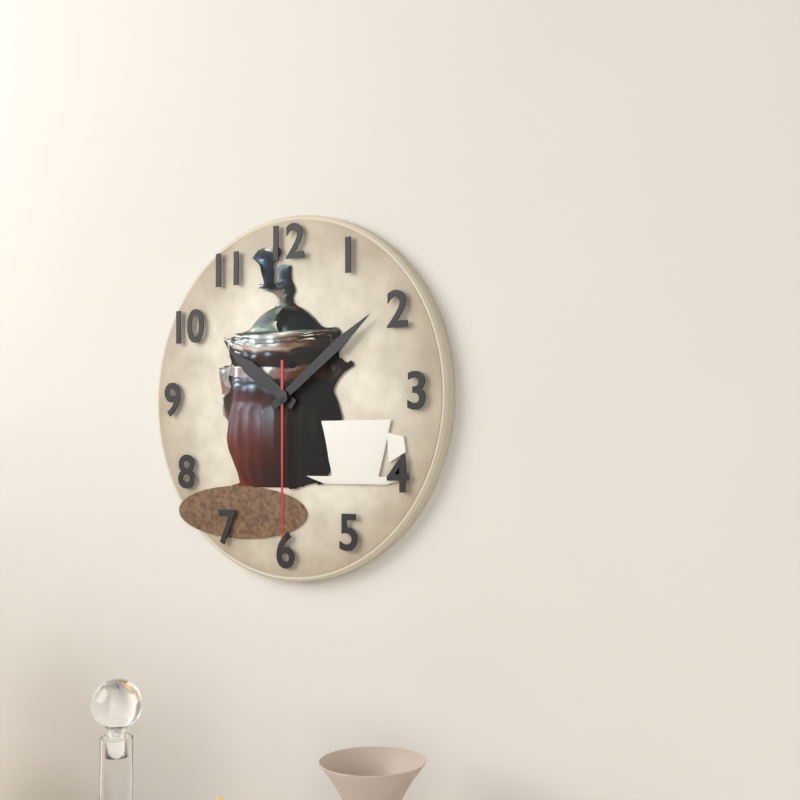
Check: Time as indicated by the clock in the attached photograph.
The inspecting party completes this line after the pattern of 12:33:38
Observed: 10:09:30
